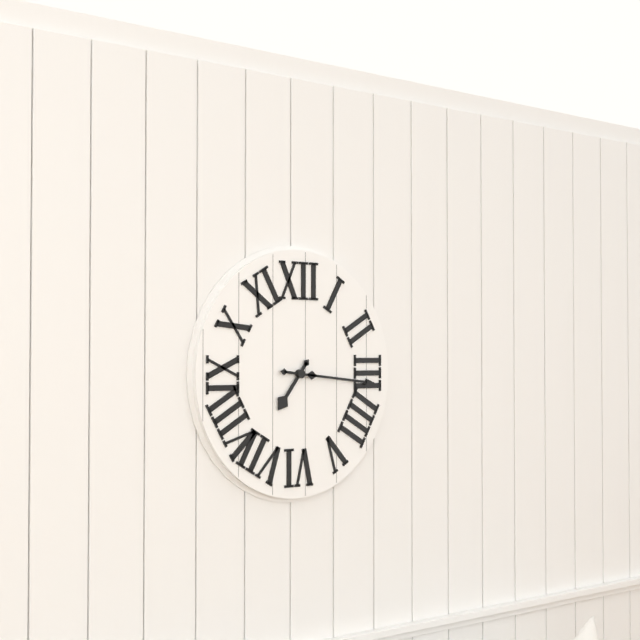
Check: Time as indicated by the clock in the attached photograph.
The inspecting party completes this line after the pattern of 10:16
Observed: 7:16
